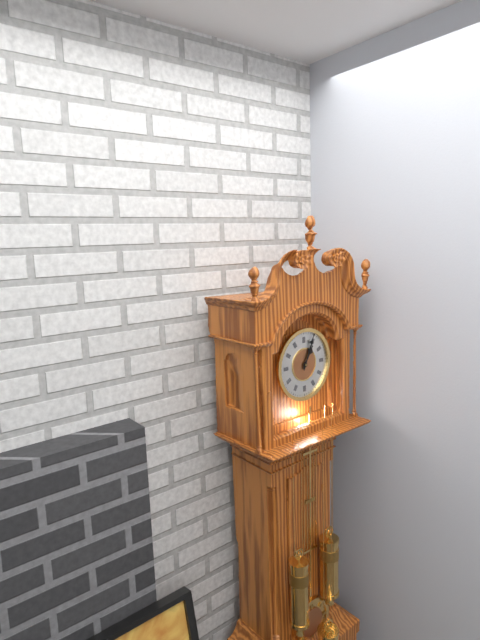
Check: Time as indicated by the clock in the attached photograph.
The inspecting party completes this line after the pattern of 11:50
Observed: 1:04
